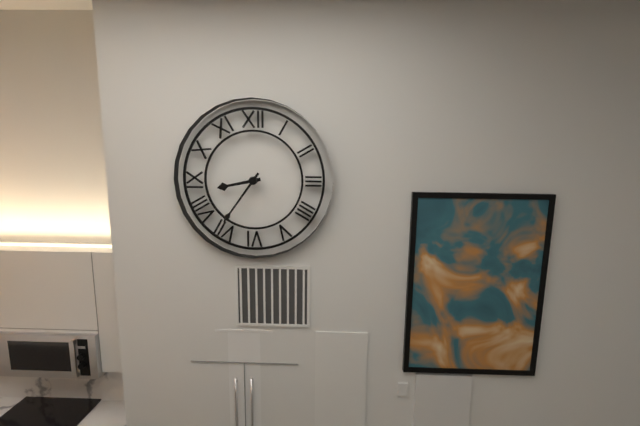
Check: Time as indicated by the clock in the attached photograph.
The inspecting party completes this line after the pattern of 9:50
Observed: 8:36
